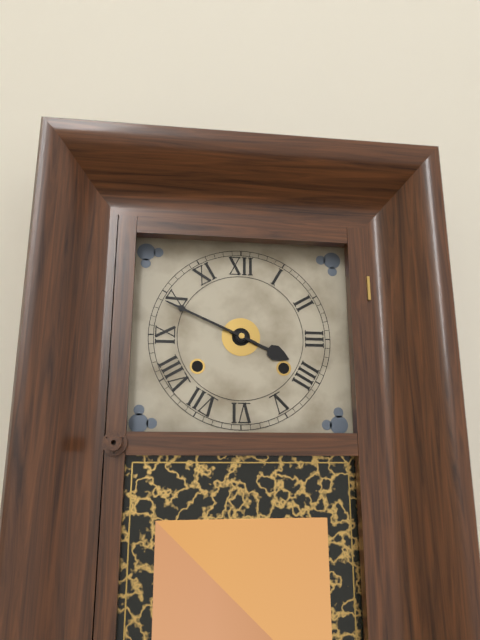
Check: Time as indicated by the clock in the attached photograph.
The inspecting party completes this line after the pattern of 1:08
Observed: 3:49
